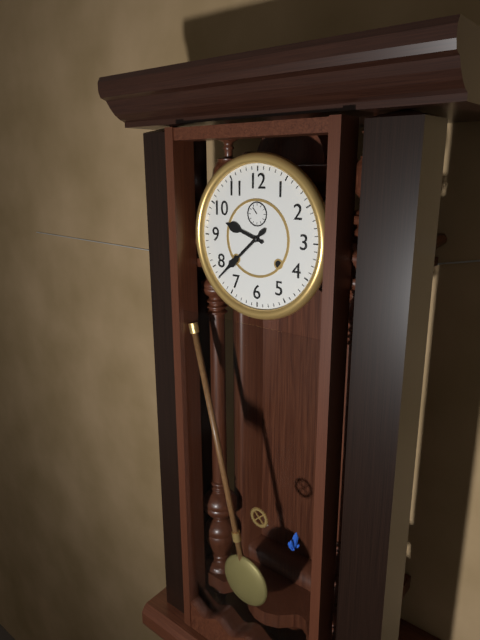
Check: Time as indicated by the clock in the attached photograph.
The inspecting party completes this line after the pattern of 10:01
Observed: 9:38
